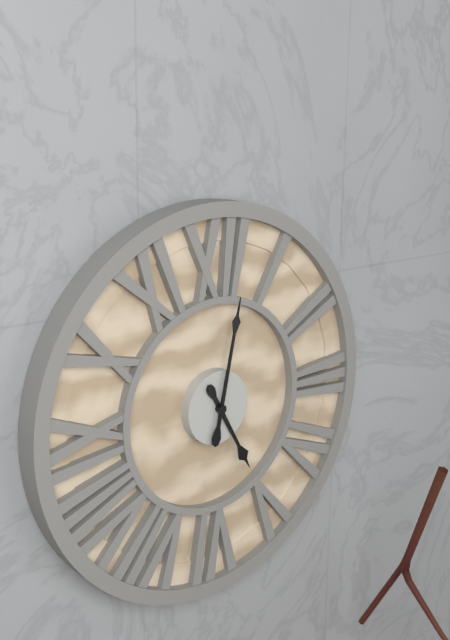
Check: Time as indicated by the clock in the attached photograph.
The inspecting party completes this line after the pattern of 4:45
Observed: 5:02
